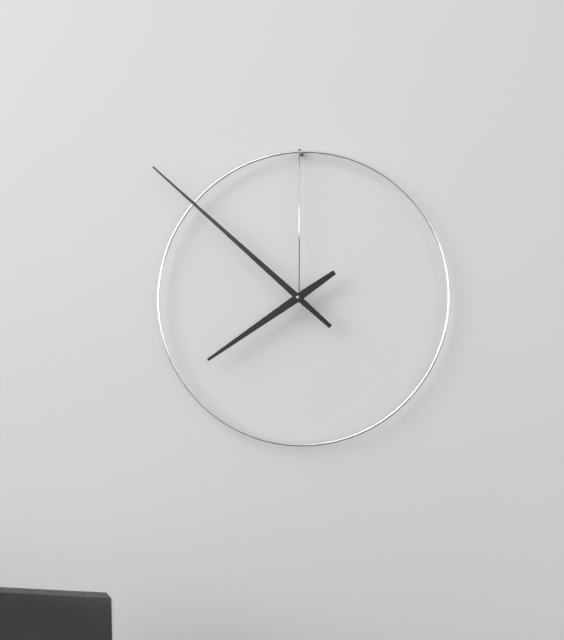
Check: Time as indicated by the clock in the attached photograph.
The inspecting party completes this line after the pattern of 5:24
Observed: 7:52
